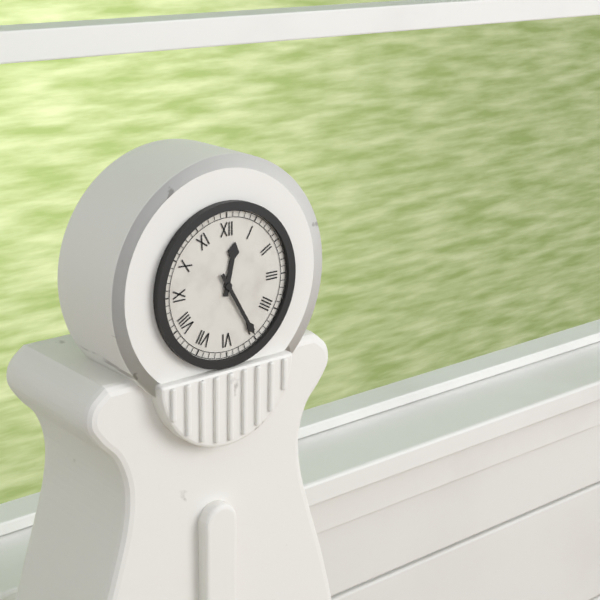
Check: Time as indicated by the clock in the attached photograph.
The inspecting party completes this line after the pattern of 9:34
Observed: 12:25
